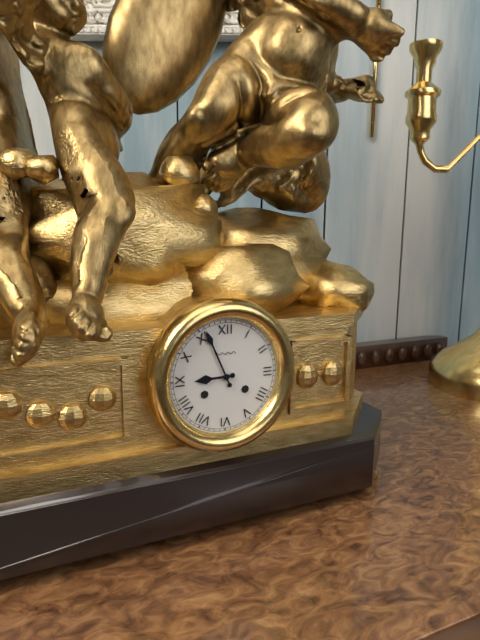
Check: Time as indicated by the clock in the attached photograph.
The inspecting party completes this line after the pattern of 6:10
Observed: 8:56
